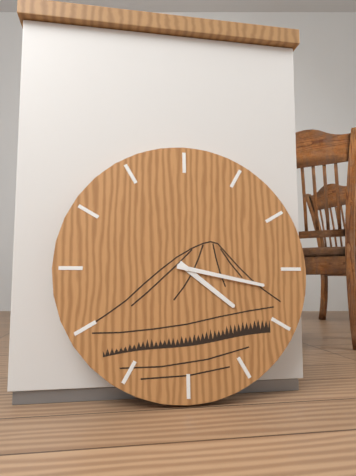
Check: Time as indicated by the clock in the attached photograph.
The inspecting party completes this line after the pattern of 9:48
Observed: 4:17
